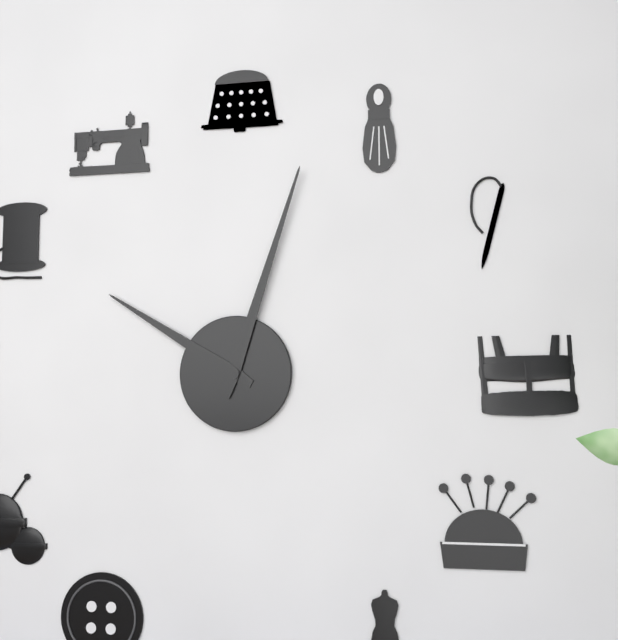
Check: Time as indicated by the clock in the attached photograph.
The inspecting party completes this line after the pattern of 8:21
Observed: 10:03
